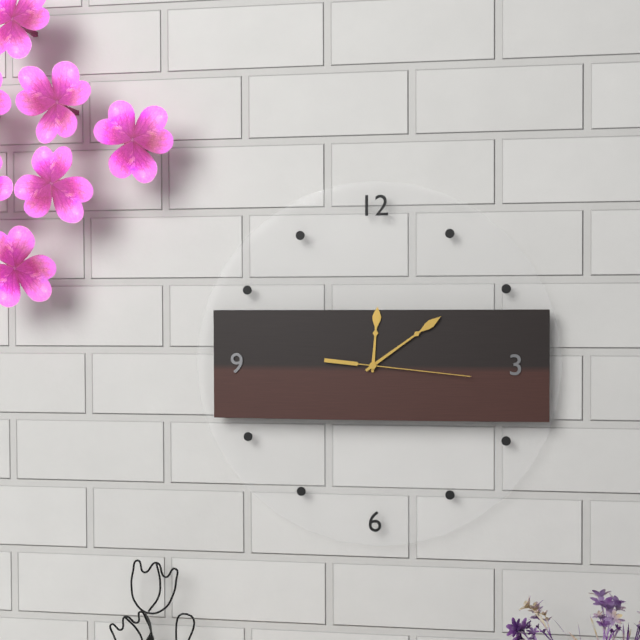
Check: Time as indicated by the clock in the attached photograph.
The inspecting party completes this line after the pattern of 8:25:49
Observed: 12:09:16
